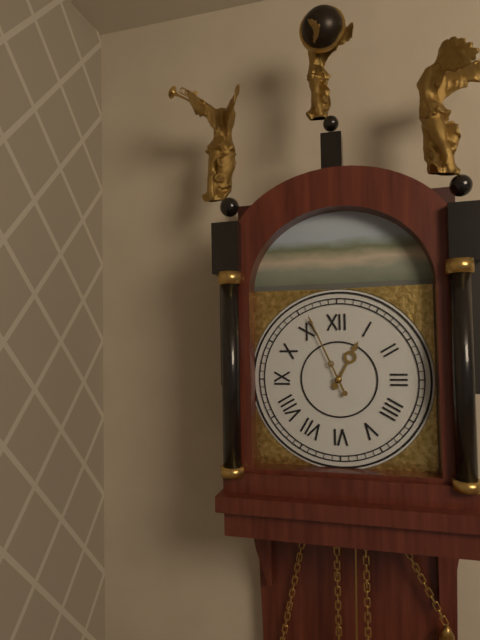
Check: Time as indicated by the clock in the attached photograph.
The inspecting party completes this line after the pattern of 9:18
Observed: 12:56
